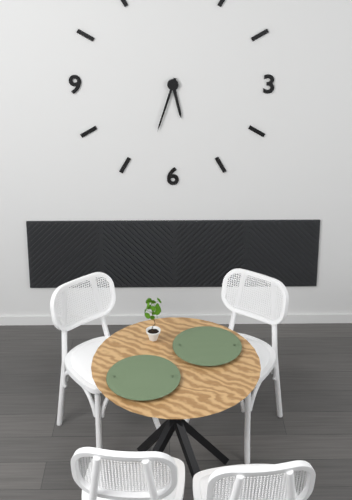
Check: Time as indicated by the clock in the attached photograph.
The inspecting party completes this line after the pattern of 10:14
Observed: 5:33
